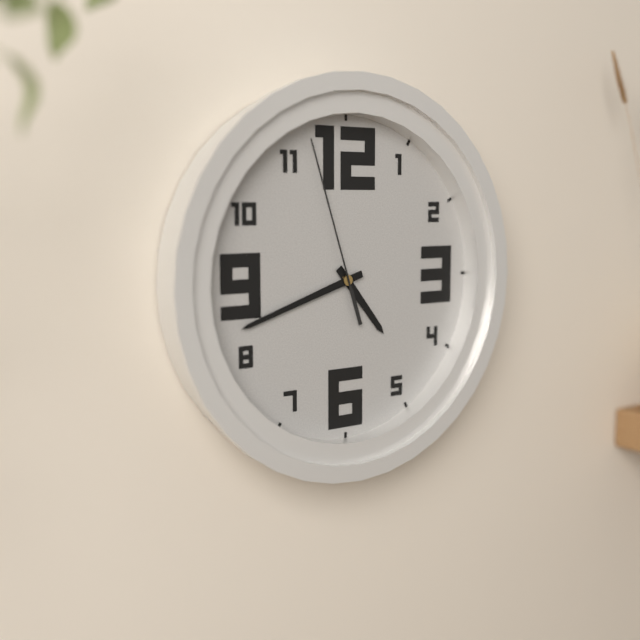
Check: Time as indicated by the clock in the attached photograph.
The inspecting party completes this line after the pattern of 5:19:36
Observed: 4:42:57
